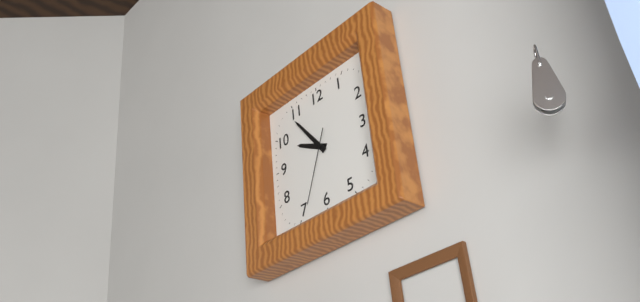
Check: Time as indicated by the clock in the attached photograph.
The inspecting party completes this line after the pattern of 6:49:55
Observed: 9:54:34
